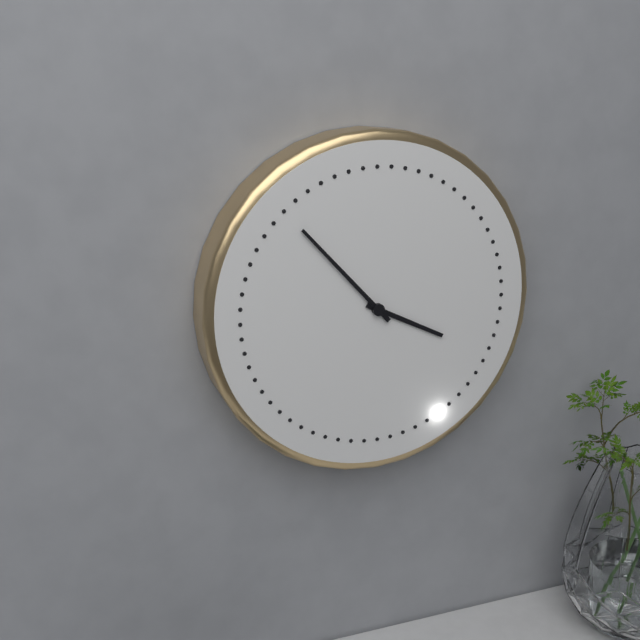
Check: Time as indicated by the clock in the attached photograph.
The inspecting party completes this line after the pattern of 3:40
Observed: 3:53
